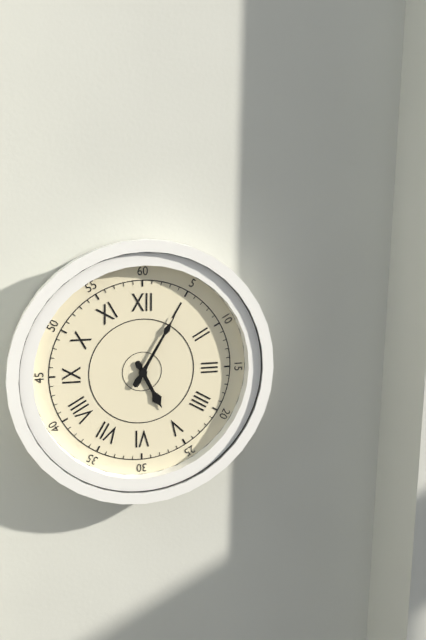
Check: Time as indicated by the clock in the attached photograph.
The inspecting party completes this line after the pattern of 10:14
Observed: 5:05
